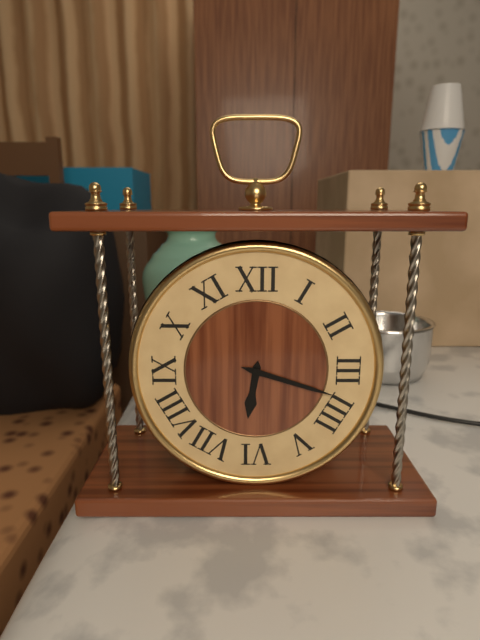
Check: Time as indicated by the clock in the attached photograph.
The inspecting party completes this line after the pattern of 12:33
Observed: 6:18
